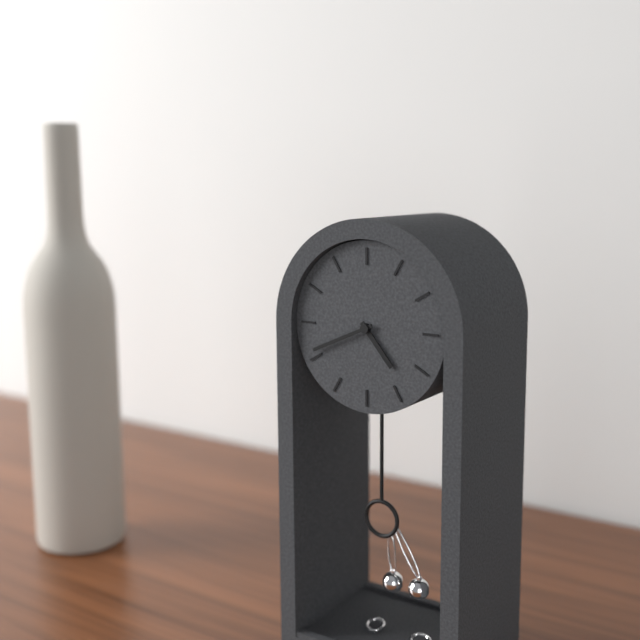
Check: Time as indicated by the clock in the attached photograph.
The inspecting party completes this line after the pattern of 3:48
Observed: 4:41
